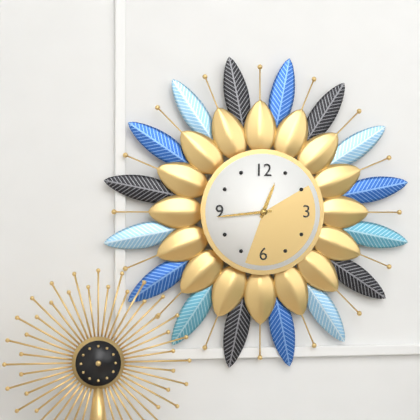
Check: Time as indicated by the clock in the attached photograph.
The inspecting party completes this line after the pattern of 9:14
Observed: 12:44
